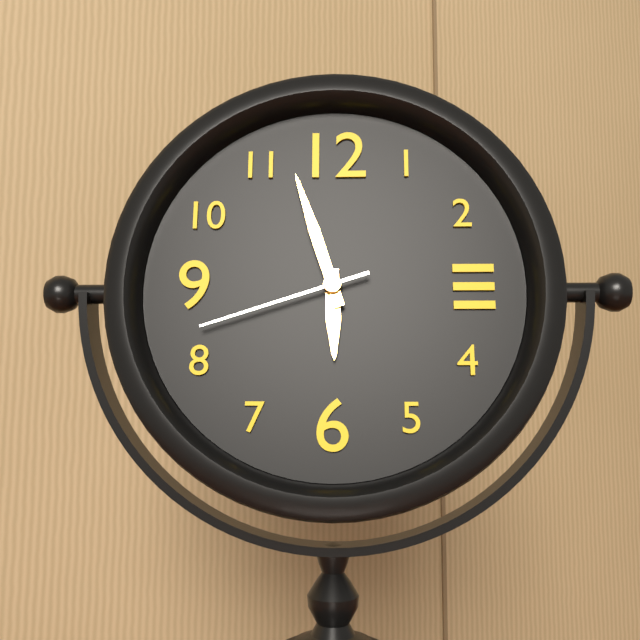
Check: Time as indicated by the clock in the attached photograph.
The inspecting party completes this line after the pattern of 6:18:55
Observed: 5:57:42
